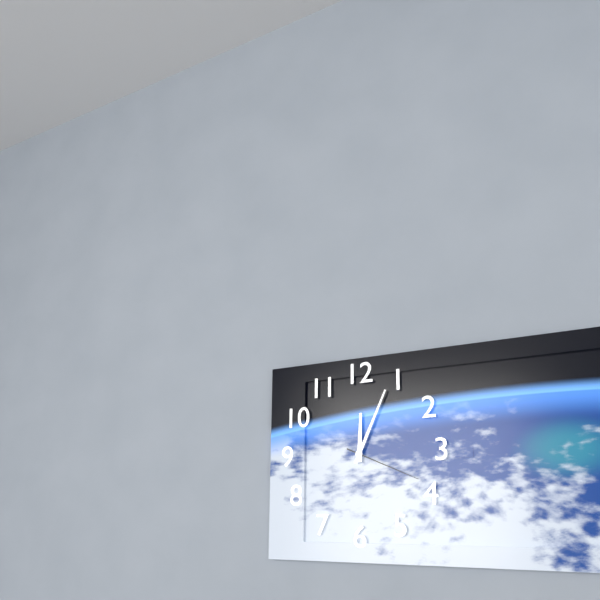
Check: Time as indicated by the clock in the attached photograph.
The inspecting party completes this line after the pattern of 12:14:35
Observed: 12:04:19
